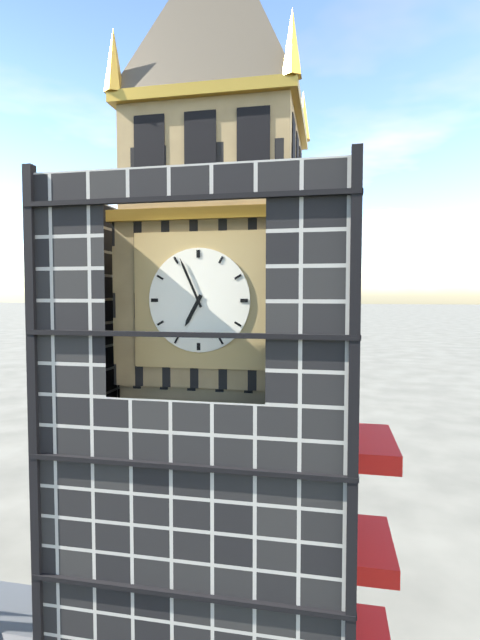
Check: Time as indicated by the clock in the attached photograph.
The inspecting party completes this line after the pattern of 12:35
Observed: 6:56
